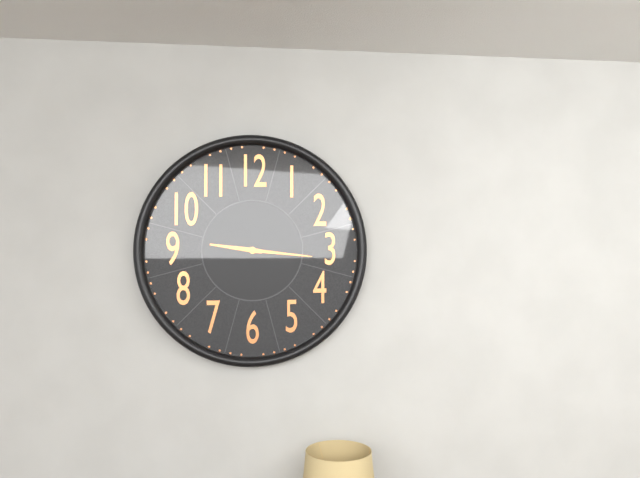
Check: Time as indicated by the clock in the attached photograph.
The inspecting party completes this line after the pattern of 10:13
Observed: 9:16
